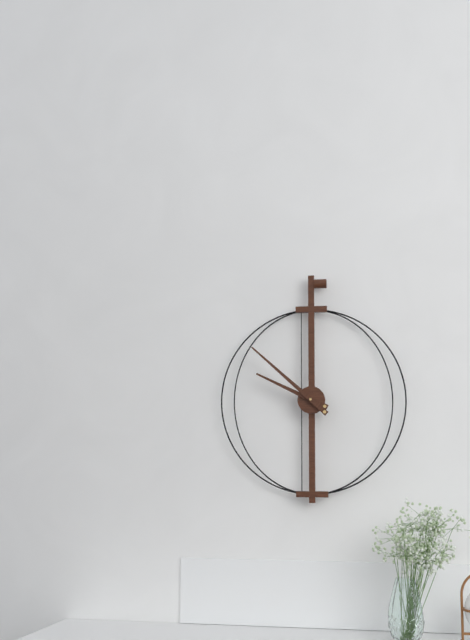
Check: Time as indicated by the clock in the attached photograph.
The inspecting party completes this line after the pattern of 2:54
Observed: 9:52
